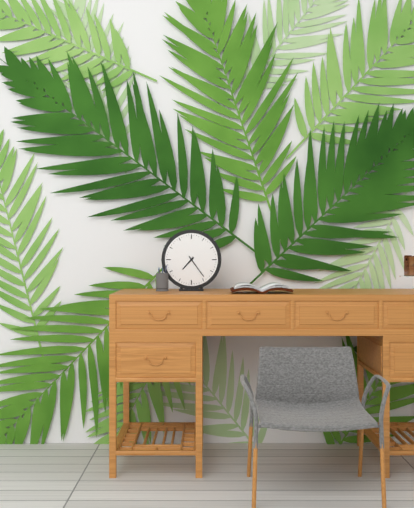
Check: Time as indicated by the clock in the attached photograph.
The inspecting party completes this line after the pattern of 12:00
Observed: 7:24
